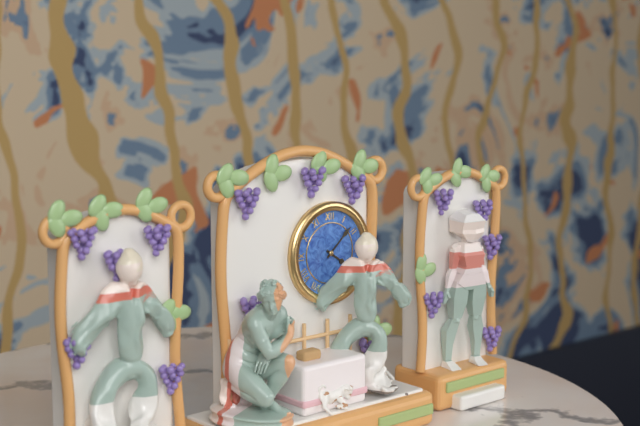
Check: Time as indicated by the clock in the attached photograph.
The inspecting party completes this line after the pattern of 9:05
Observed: 4:08
